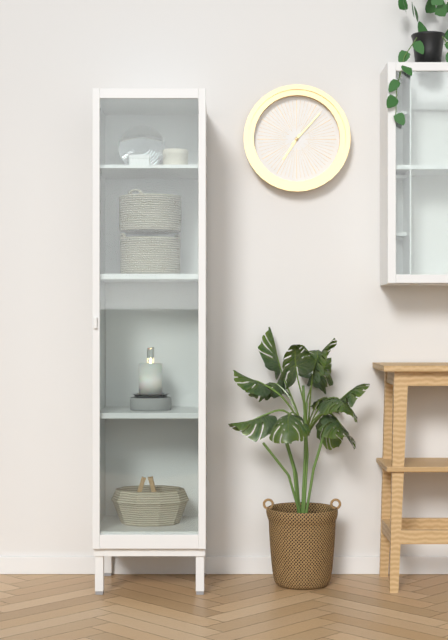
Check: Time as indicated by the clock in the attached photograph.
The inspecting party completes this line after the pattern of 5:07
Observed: 7:07
